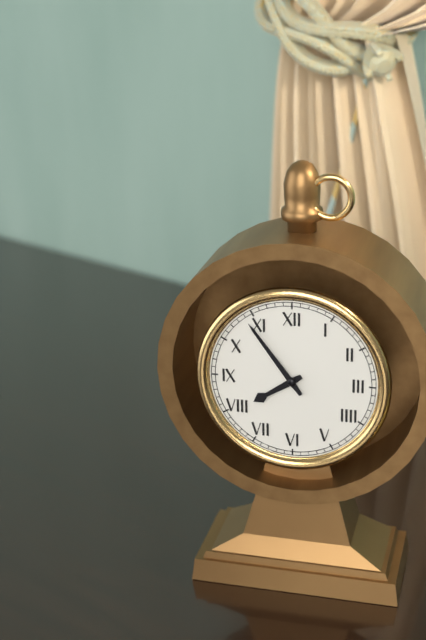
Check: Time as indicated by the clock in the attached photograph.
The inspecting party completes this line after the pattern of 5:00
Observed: 7:54
